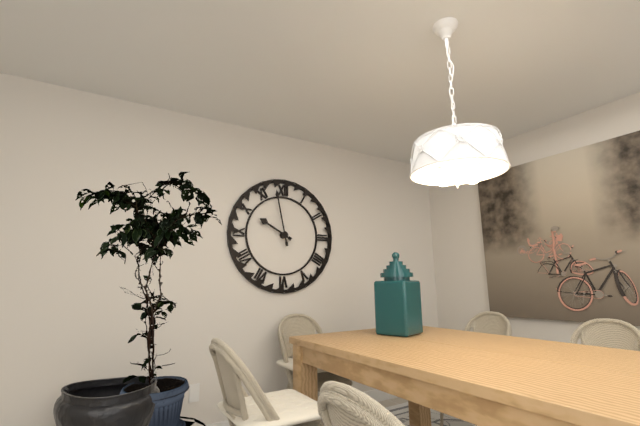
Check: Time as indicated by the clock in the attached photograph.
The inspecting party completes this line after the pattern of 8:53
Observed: 9:58
